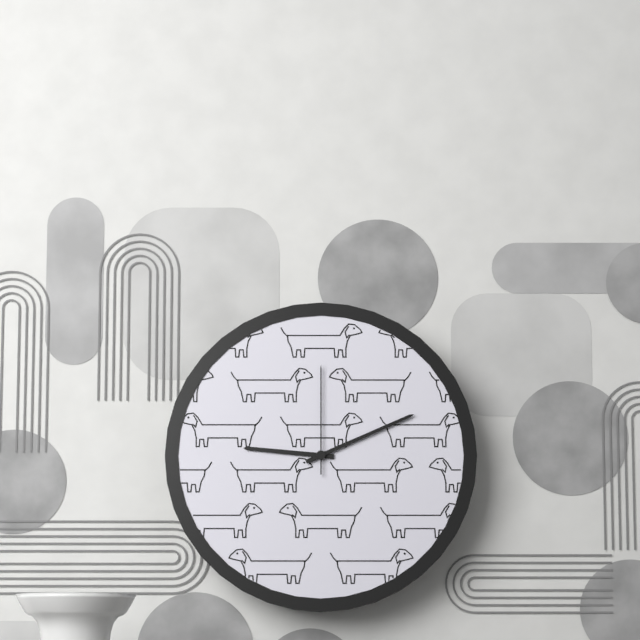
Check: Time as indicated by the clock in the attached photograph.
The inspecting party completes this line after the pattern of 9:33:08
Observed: 9:11:00
